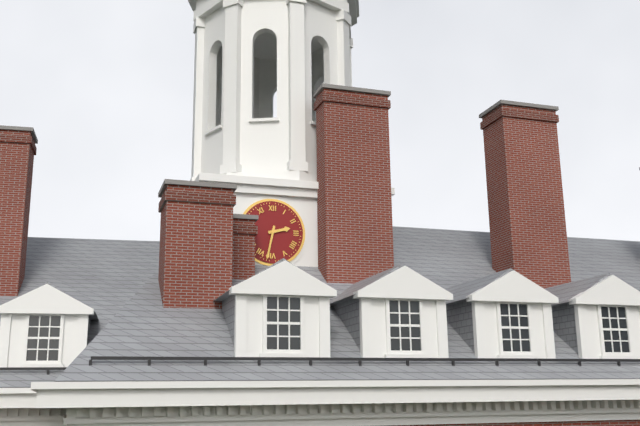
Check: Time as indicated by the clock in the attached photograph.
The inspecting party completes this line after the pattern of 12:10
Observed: 2:32
